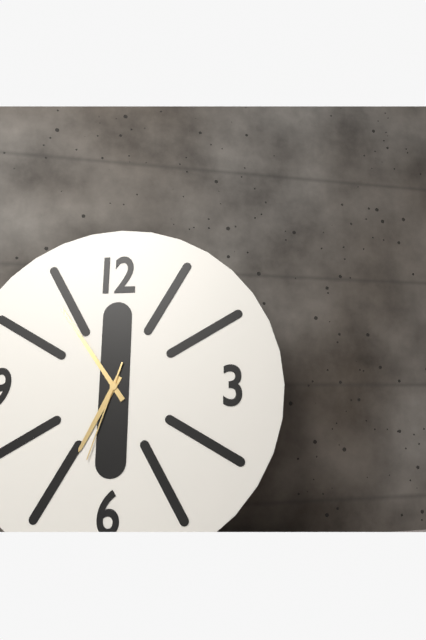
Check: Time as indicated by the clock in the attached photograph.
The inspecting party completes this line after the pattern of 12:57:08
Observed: 6:54:33
